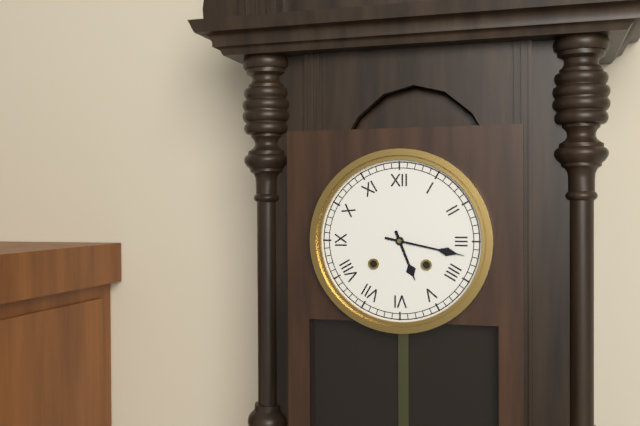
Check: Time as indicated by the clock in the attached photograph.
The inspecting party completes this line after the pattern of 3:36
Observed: 5:17
